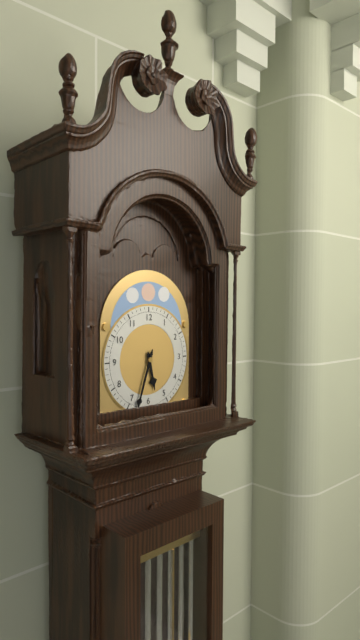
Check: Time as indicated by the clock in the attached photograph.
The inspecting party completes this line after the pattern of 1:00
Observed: 5:33
